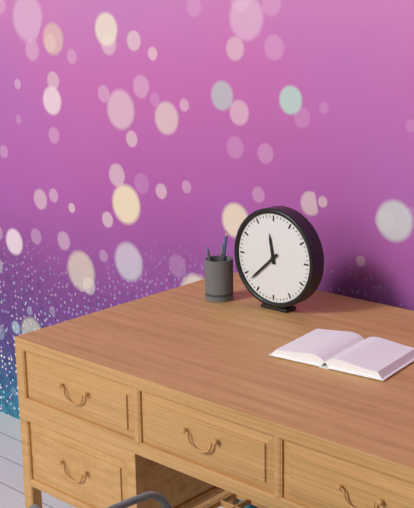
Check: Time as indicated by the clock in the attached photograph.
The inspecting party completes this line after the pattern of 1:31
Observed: 11:38
